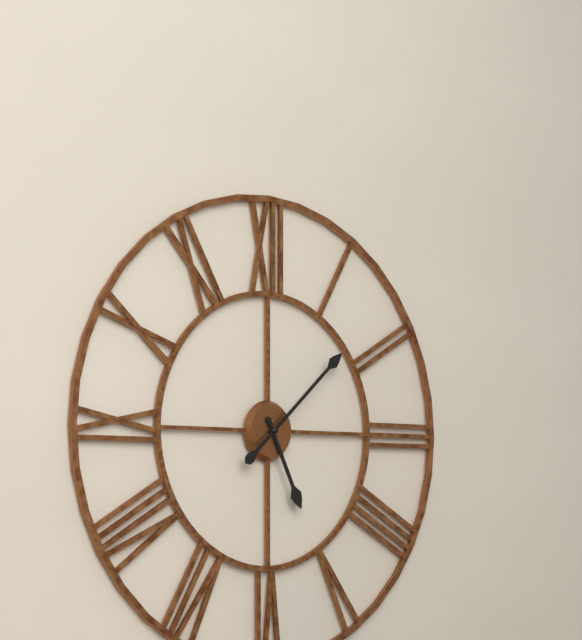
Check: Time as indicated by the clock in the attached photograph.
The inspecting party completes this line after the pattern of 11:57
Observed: 5:08
